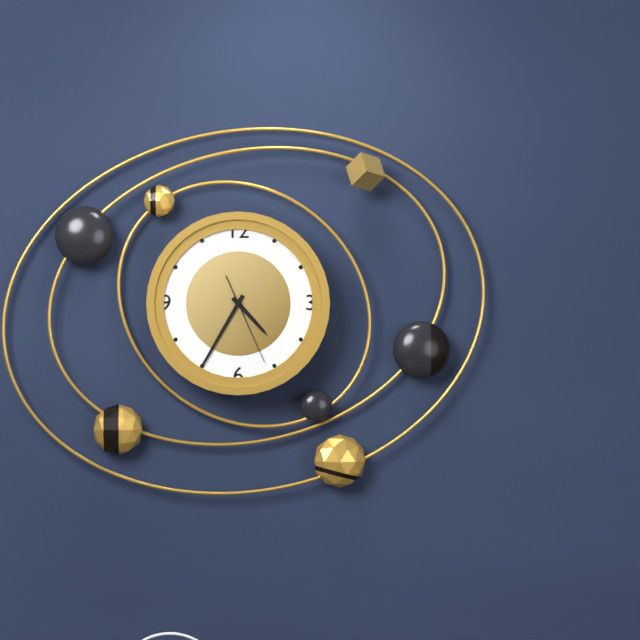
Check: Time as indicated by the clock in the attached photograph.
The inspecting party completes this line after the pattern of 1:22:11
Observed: 4:35:26
